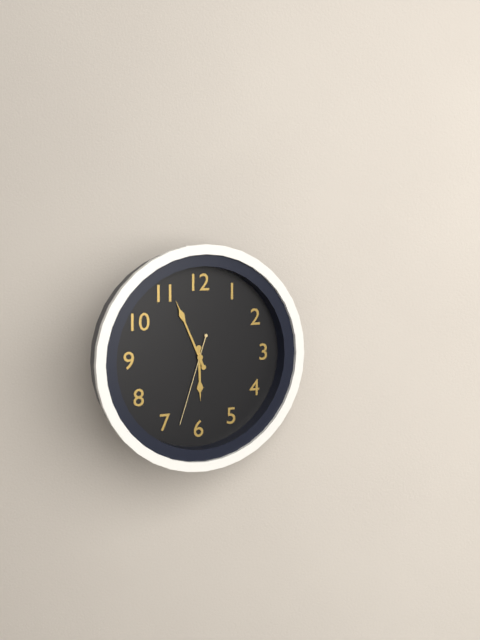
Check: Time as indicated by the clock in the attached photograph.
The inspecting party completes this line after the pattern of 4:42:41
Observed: 5:56:33
